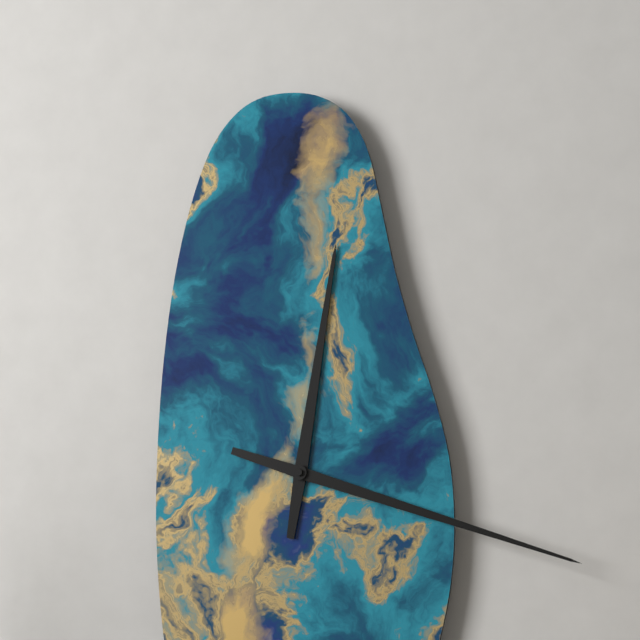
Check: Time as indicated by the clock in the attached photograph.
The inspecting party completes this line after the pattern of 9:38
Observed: 12:18
